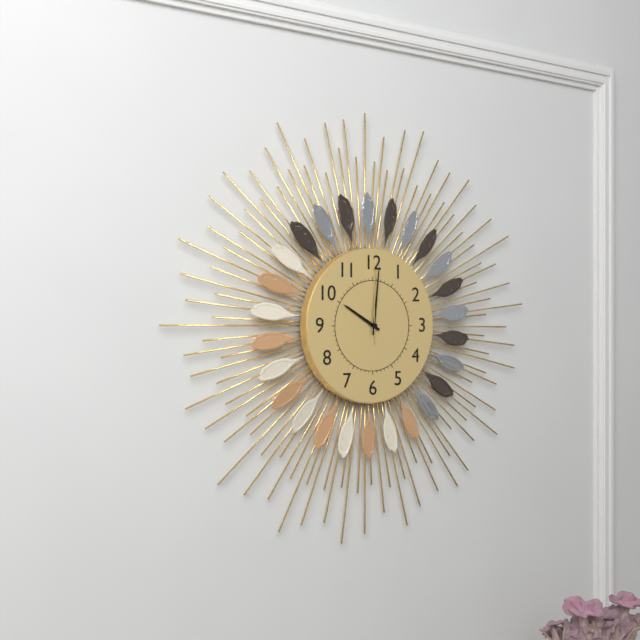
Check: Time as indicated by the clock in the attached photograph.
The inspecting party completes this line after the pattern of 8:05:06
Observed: 10:01:00
